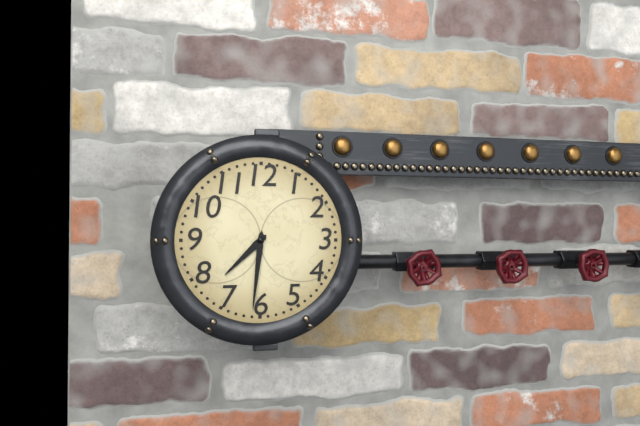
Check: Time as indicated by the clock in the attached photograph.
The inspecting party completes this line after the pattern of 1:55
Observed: 7:31
